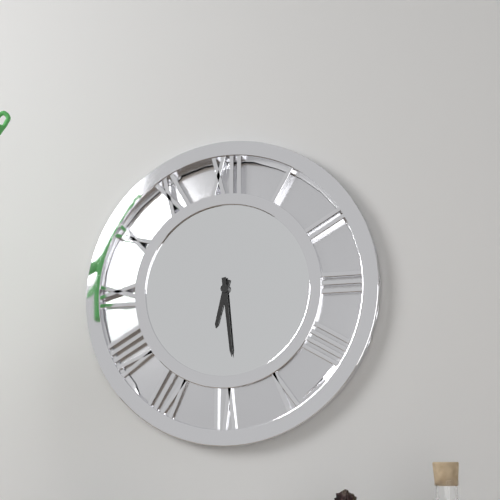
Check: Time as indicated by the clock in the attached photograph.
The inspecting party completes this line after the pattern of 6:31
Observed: 6:29
